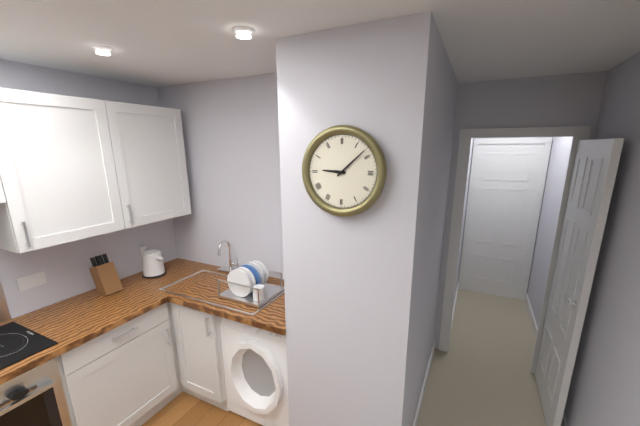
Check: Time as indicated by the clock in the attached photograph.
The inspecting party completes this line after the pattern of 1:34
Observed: 9:08
